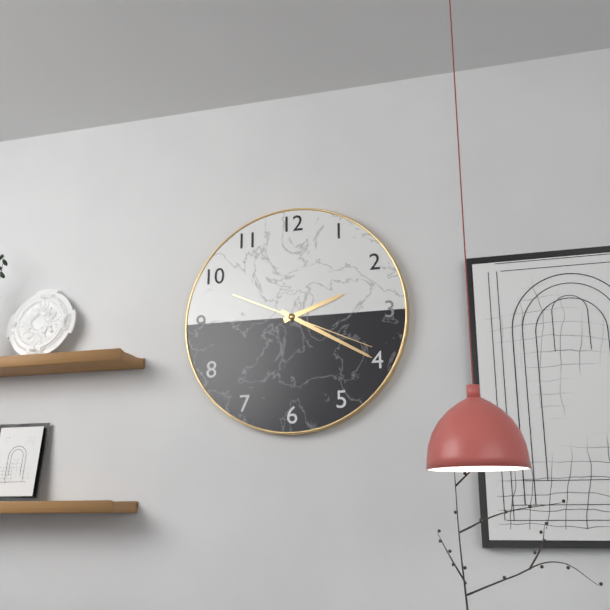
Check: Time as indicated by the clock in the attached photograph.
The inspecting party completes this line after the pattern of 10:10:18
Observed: 2:20:19
